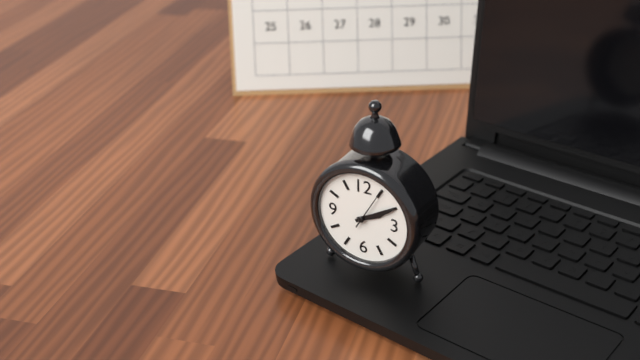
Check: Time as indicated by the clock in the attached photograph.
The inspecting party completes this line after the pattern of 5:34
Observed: 2:10
